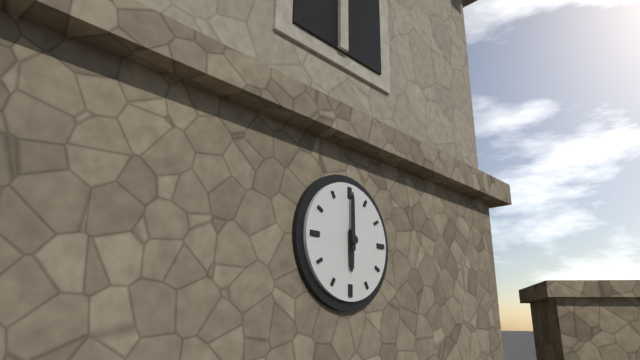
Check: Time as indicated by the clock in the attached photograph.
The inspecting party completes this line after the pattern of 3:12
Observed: 6:00
